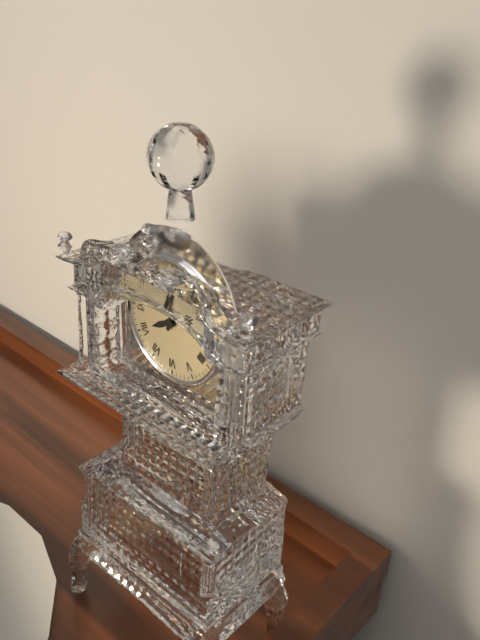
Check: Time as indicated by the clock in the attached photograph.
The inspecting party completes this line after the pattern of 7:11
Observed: 8:04
